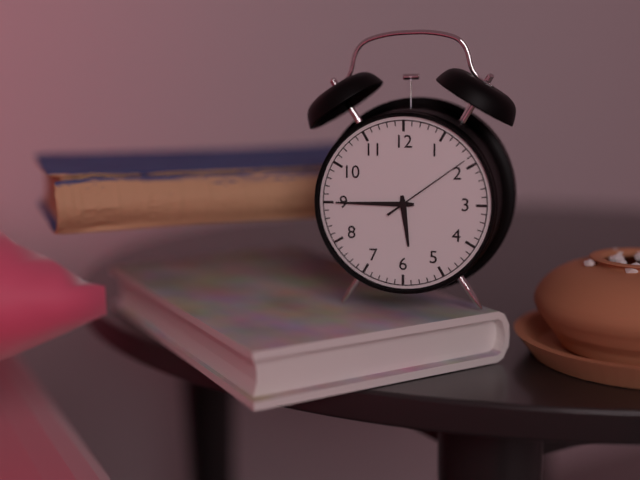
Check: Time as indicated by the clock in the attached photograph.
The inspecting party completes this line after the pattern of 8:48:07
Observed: 5:45:09
